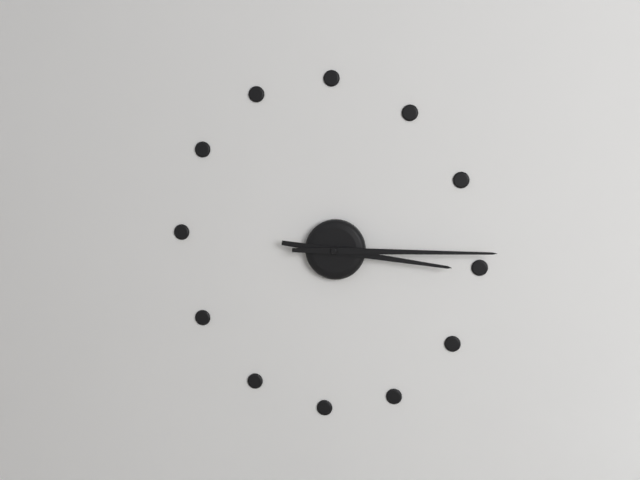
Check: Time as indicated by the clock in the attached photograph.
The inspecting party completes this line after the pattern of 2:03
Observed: 3:15
